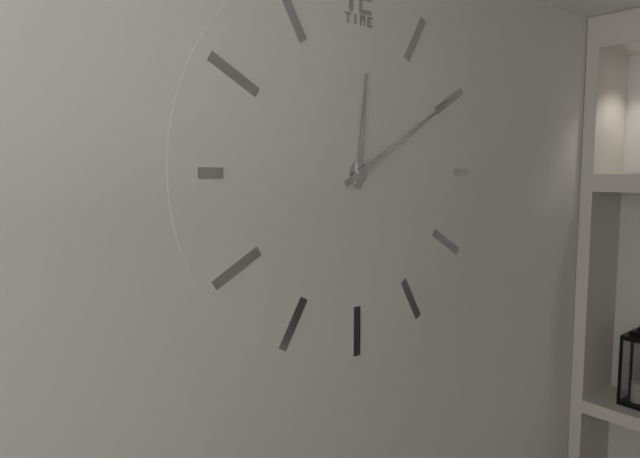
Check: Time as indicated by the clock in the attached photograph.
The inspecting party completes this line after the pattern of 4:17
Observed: 12:10
